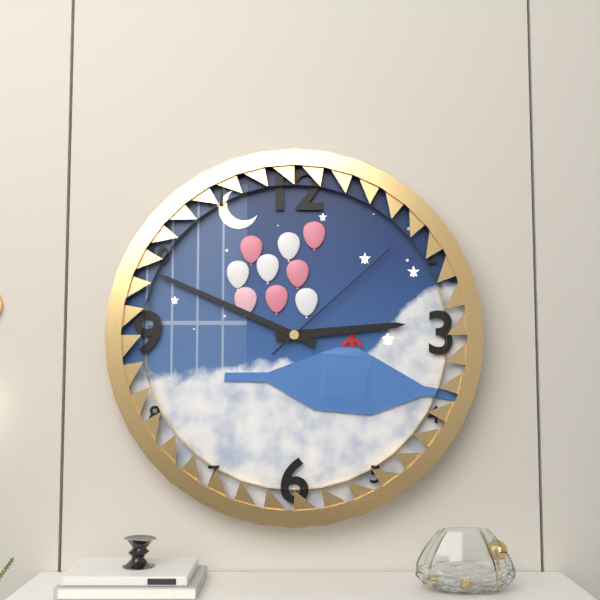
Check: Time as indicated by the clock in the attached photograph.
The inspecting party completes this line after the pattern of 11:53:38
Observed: 2:49:08
